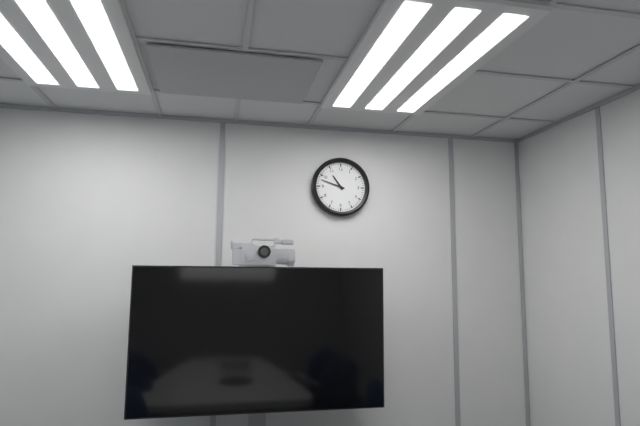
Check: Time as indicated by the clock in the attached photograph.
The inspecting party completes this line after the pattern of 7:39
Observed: 10:48
